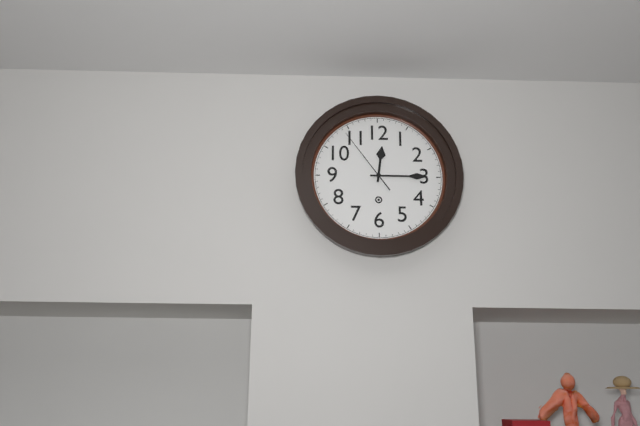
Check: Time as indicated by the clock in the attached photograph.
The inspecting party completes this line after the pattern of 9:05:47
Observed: 12:15:54
